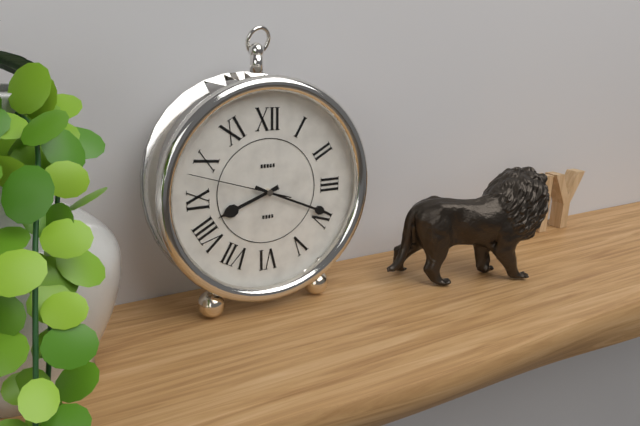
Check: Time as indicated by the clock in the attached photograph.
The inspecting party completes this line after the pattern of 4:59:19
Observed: 8:19:48
